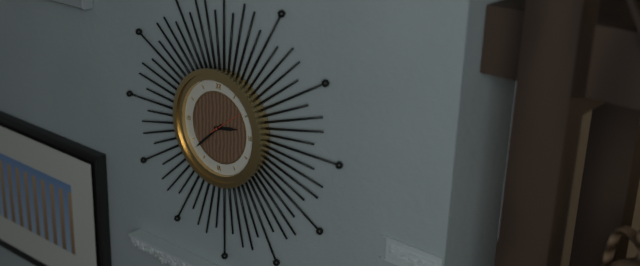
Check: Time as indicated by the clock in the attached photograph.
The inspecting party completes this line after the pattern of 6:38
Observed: 2:38
